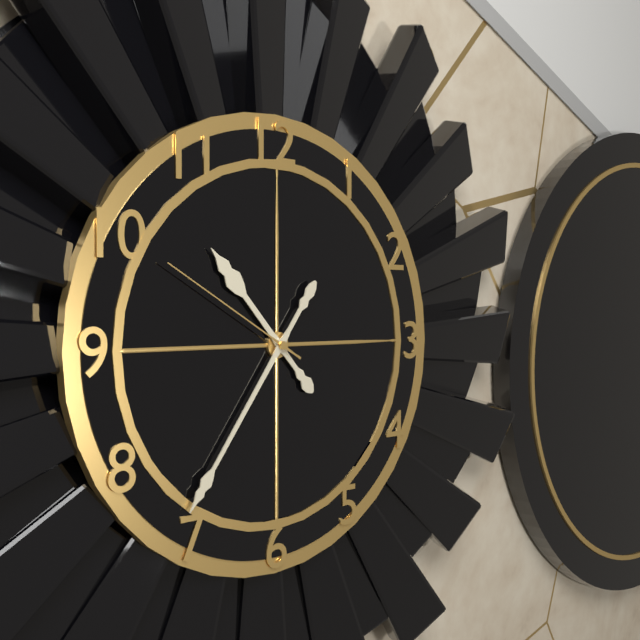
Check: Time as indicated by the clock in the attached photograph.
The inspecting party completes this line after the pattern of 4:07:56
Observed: 10:36:50
